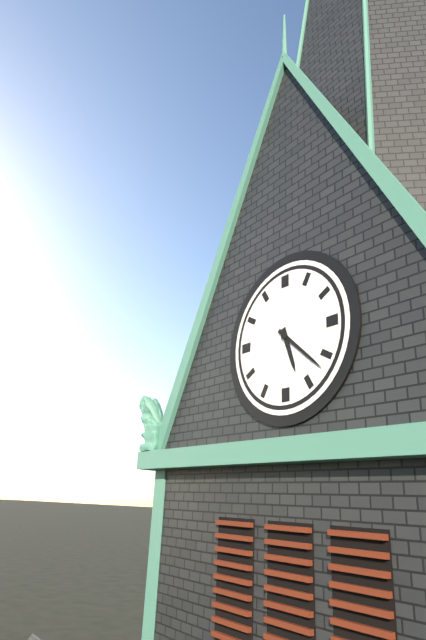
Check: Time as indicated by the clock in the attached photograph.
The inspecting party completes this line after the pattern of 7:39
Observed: 5:22
